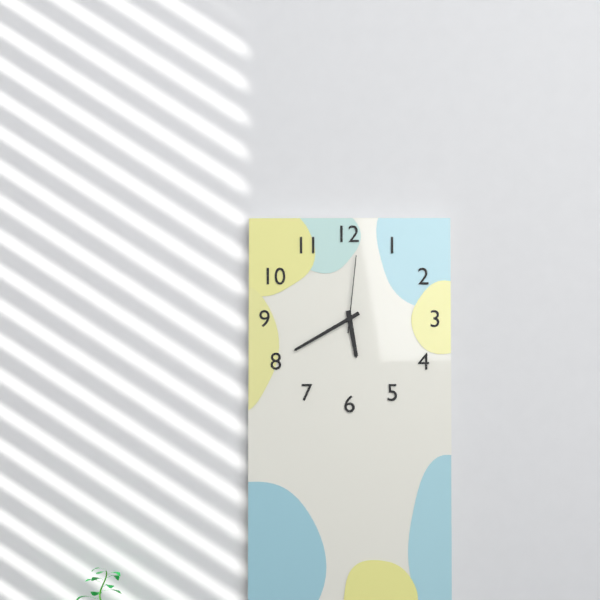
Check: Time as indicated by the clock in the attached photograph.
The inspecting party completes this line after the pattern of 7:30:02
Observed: 5:40:01
